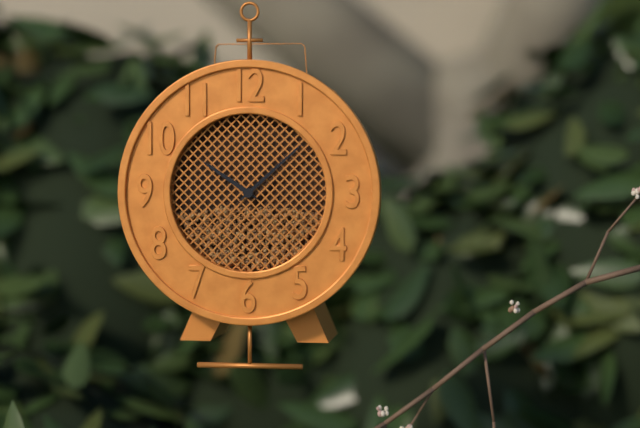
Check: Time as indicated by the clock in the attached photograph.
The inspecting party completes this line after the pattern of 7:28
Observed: 10:08
